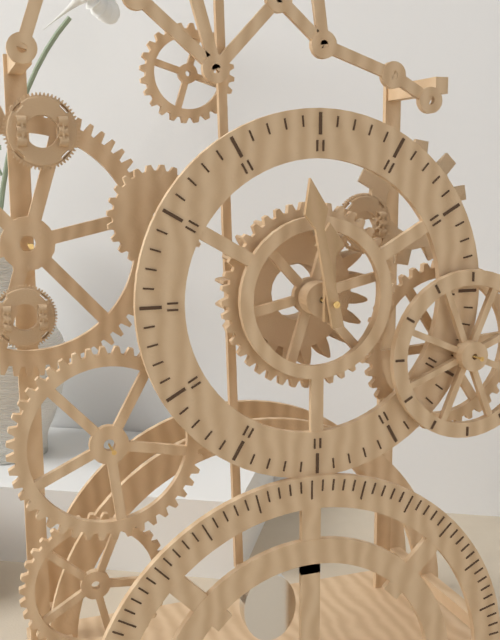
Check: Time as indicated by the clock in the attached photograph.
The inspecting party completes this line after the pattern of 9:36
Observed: 11:58
